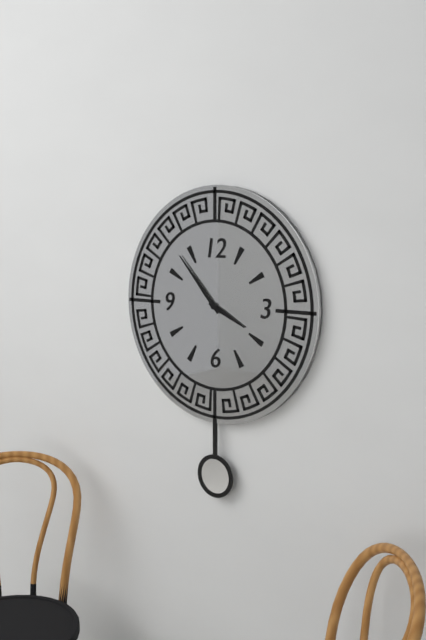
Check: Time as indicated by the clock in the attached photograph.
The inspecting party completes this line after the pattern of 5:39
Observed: 3:53
